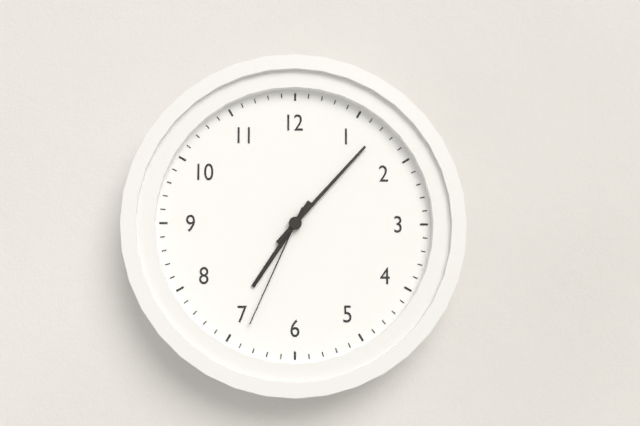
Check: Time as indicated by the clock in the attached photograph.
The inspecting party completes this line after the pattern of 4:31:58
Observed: 7:07:34
